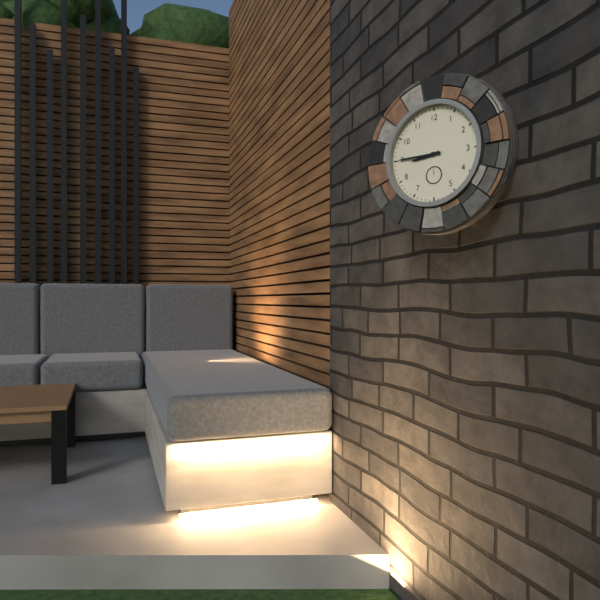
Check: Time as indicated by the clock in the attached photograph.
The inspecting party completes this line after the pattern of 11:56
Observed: 8:45
